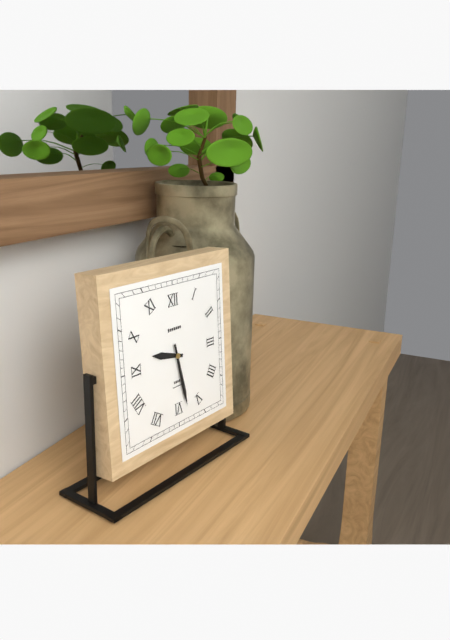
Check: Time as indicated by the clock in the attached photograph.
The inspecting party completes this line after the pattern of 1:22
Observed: 9:28
